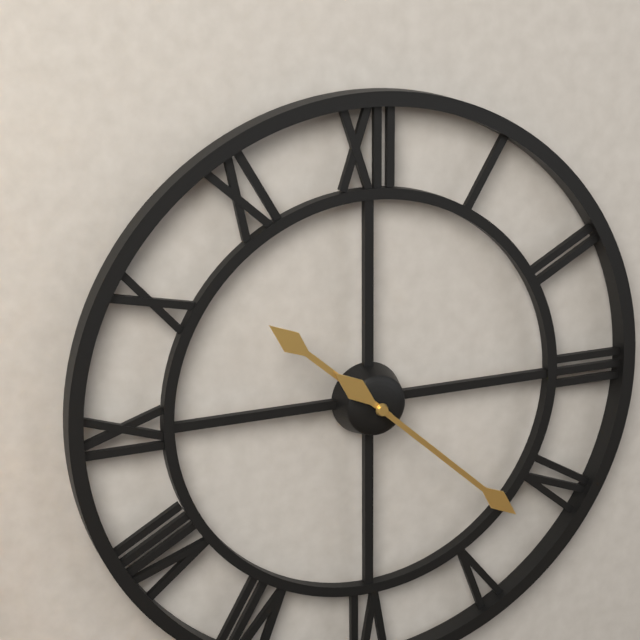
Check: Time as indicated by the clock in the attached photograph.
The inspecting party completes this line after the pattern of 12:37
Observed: 10:22
